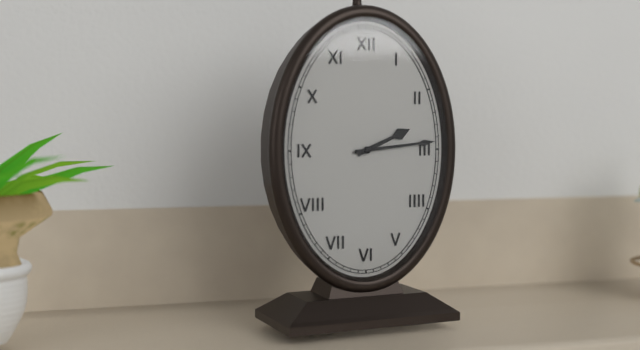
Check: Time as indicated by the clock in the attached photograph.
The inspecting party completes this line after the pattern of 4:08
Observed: 2:14
